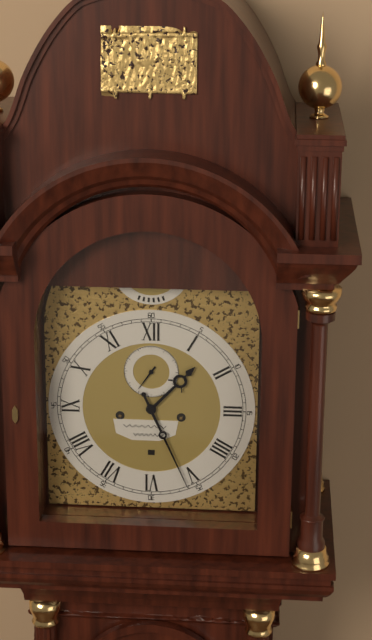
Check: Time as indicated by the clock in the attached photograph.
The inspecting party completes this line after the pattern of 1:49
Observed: 1:26
